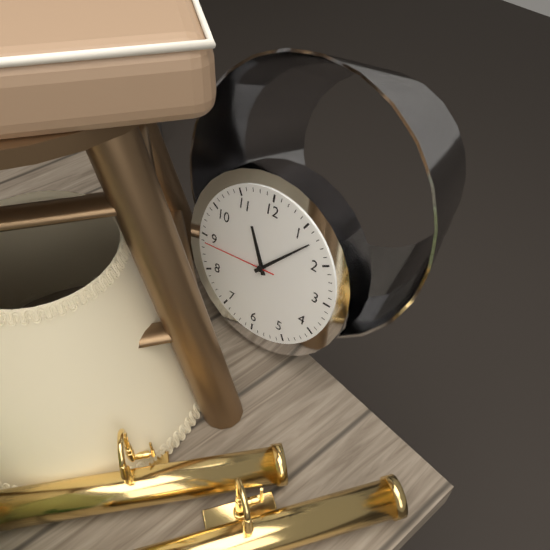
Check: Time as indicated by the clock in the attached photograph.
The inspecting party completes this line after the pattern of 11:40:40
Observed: 11:07:44
